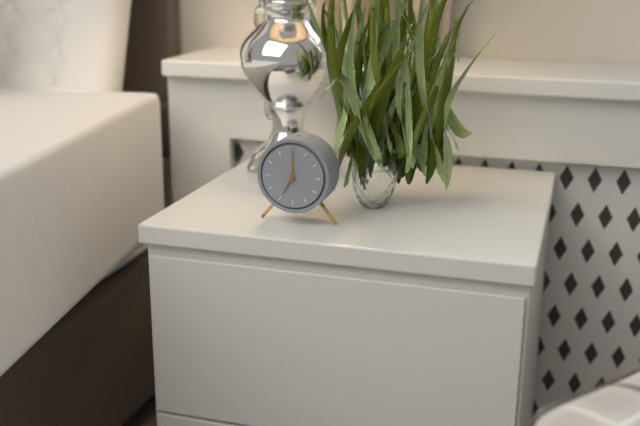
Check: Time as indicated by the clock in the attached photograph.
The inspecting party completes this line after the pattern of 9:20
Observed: 7:00
